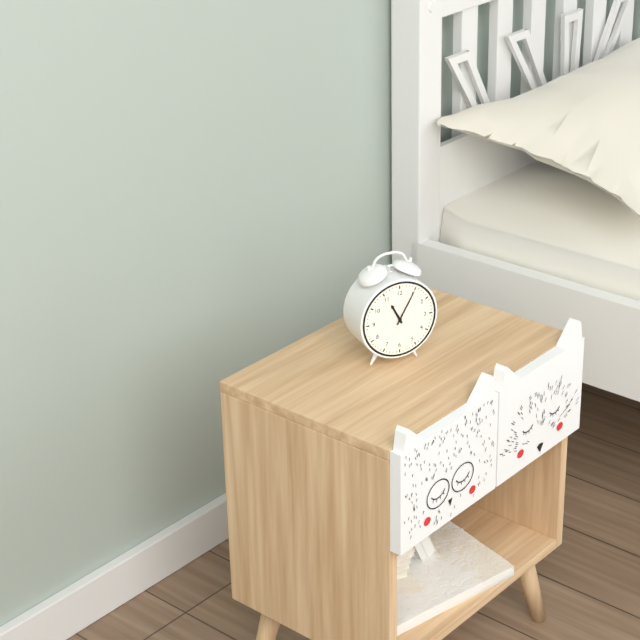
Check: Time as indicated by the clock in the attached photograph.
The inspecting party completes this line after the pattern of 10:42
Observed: 11:05
